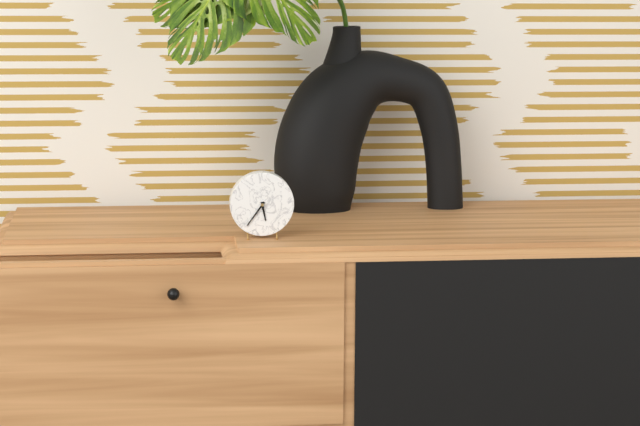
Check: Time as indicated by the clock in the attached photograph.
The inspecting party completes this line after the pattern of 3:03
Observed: 5:36
